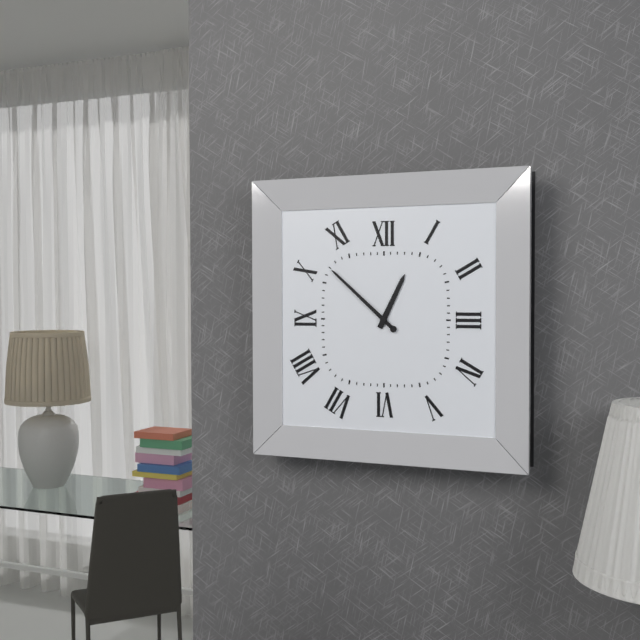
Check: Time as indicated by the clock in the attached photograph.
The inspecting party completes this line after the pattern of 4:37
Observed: 12:52
